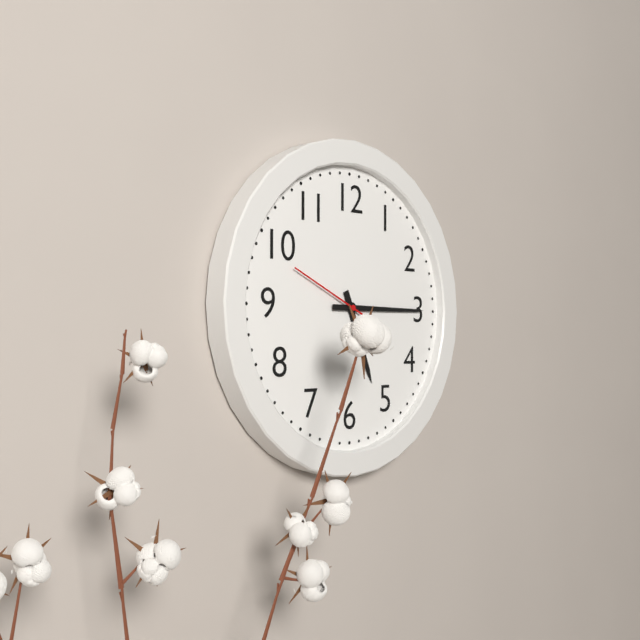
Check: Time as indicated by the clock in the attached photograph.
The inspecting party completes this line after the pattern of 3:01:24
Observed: 5:15:49
